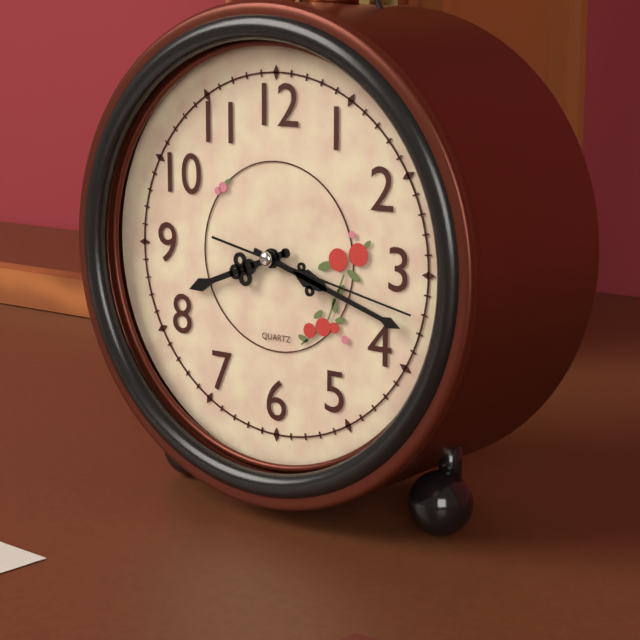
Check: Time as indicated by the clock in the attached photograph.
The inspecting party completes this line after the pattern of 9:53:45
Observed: 8:18:17
